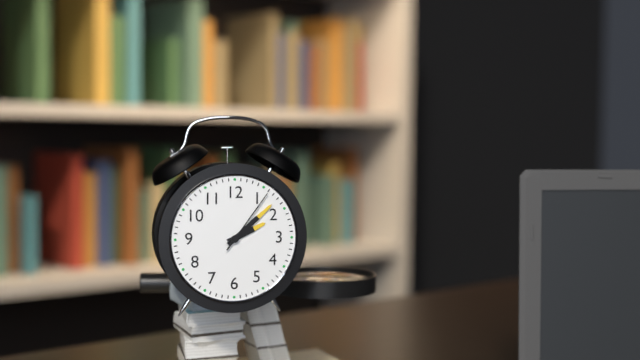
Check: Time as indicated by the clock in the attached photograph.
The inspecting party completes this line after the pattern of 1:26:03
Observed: 2:08:06
